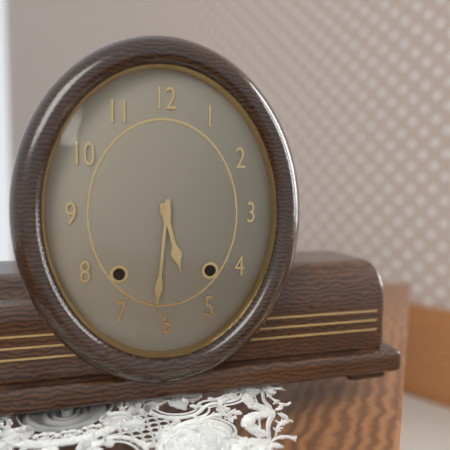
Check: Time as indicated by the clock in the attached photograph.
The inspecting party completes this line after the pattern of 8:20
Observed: 5:31
